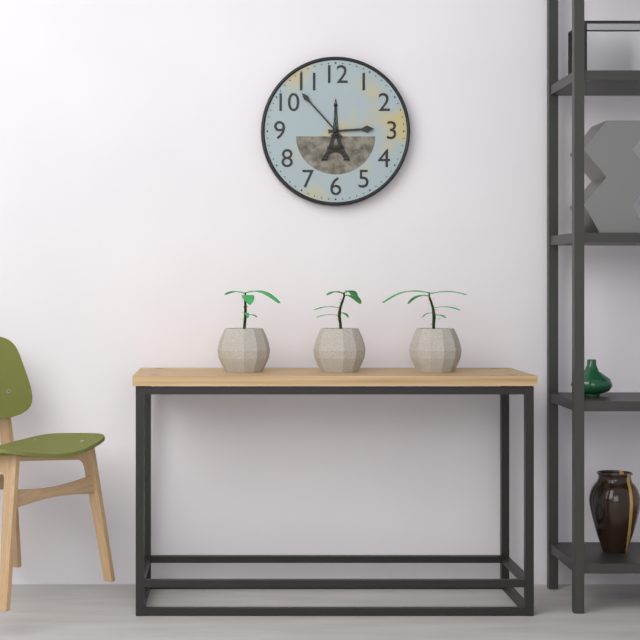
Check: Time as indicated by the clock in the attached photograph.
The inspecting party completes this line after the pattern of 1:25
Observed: 2:53
